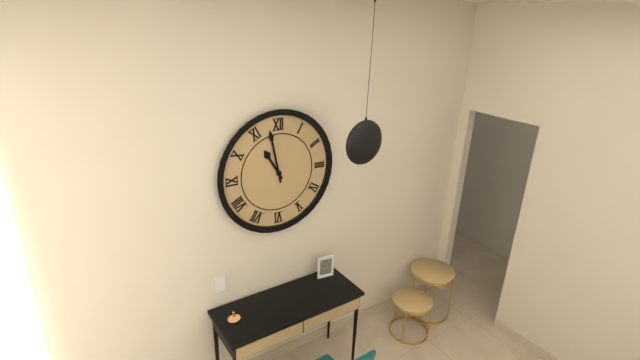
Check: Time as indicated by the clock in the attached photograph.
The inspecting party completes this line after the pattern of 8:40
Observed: 10:58
